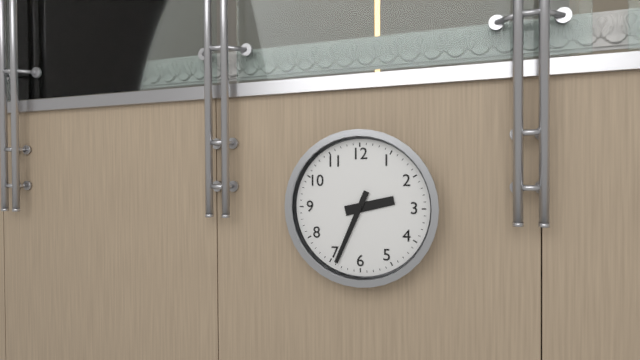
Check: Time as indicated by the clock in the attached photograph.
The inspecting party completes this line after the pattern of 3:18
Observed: 2:34
